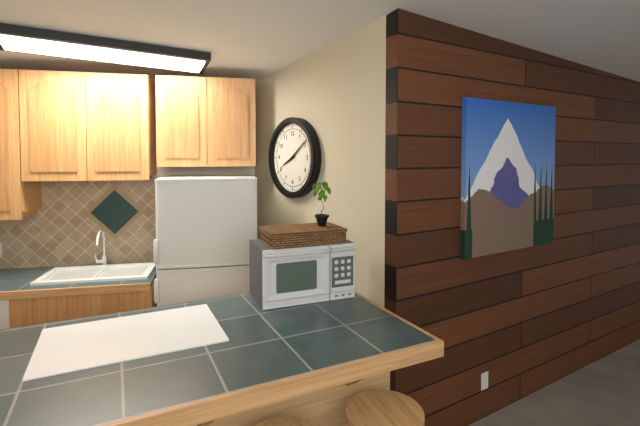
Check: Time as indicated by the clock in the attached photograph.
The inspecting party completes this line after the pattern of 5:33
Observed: 8:09
